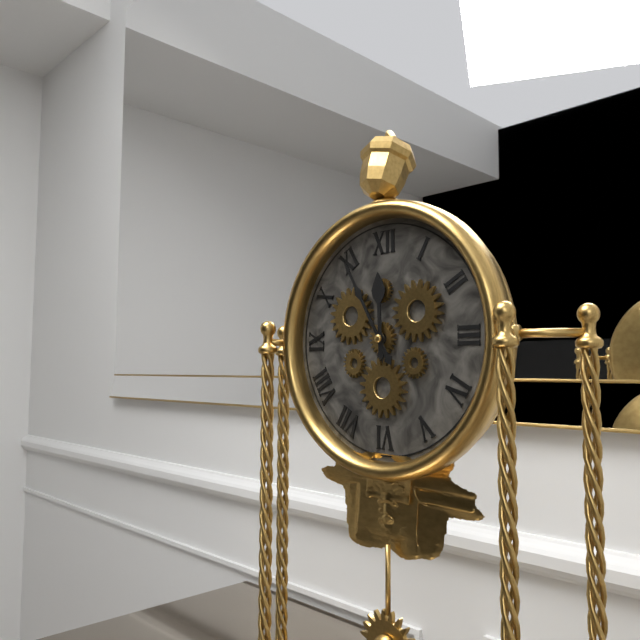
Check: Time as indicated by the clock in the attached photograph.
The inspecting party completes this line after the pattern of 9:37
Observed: 11:55
